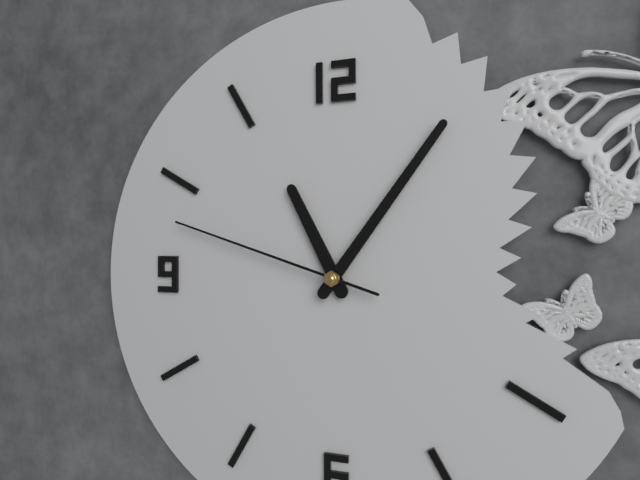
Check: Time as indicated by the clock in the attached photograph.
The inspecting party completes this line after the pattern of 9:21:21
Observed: 11:06:48
